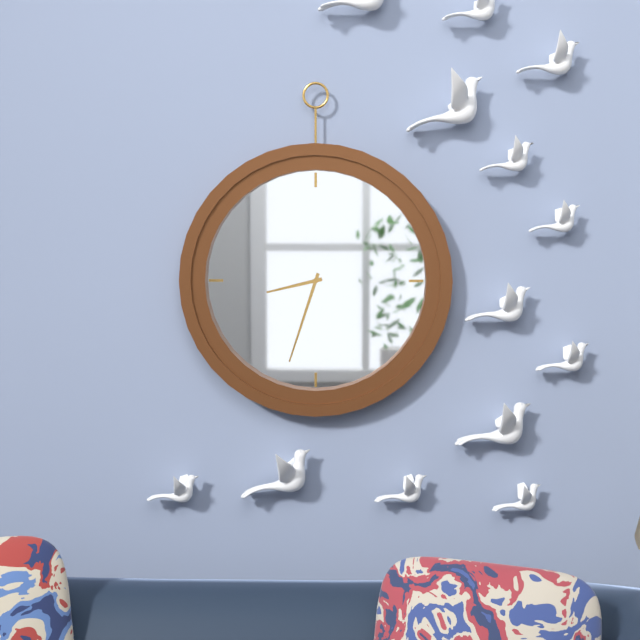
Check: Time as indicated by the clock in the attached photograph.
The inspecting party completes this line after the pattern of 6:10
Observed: 8:33
